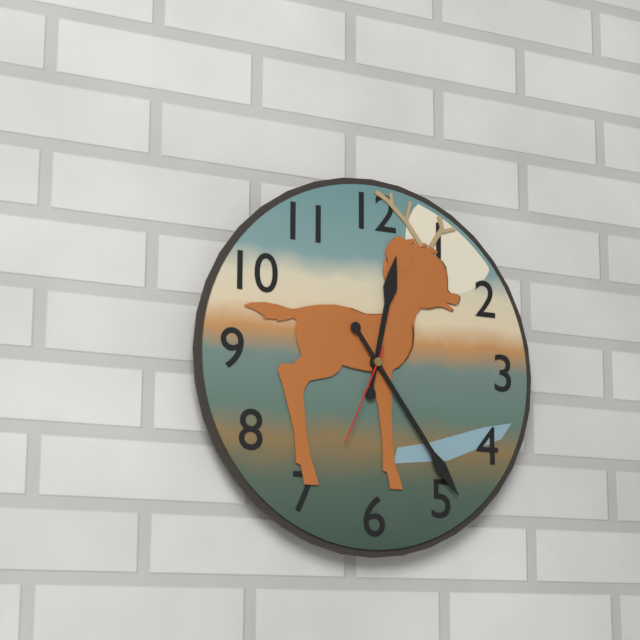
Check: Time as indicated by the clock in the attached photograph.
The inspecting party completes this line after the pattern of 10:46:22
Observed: 12:24:34
